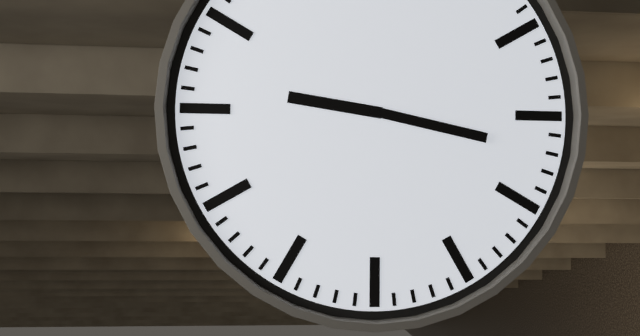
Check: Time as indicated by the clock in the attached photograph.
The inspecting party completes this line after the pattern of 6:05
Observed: 9:17
